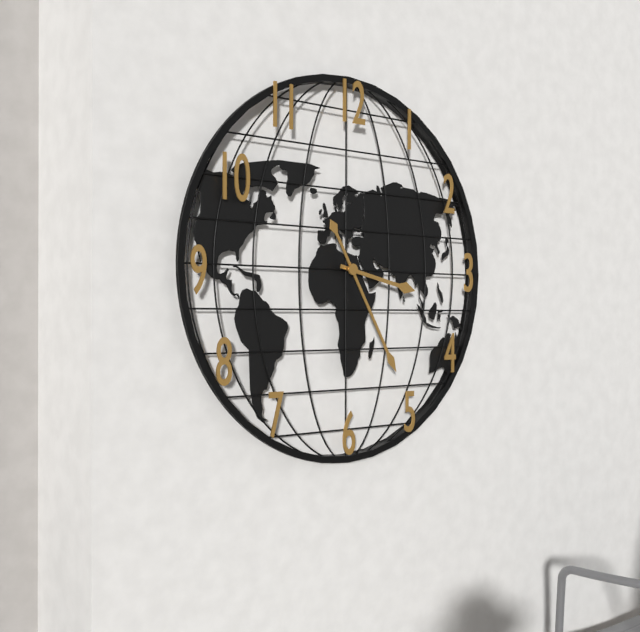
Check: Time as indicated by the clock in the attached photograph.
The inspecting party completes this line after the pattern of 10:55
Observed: 3:25
